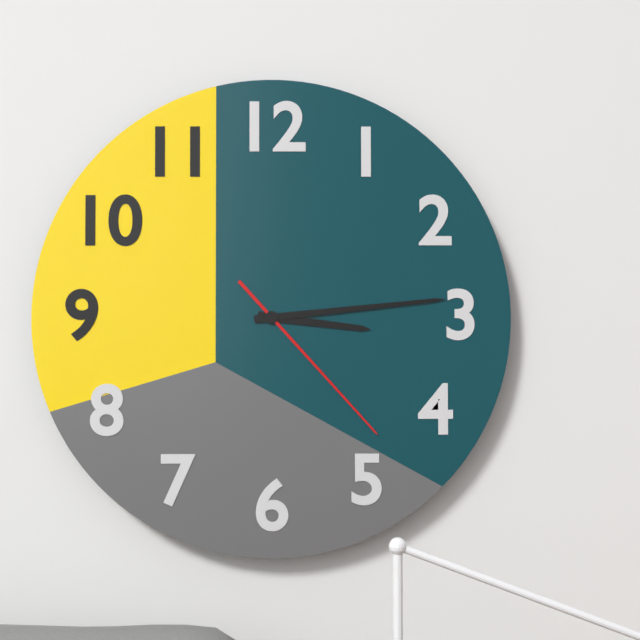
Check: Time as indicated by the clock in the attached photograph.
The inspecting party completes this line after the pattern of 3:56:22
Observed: 3:14:23
